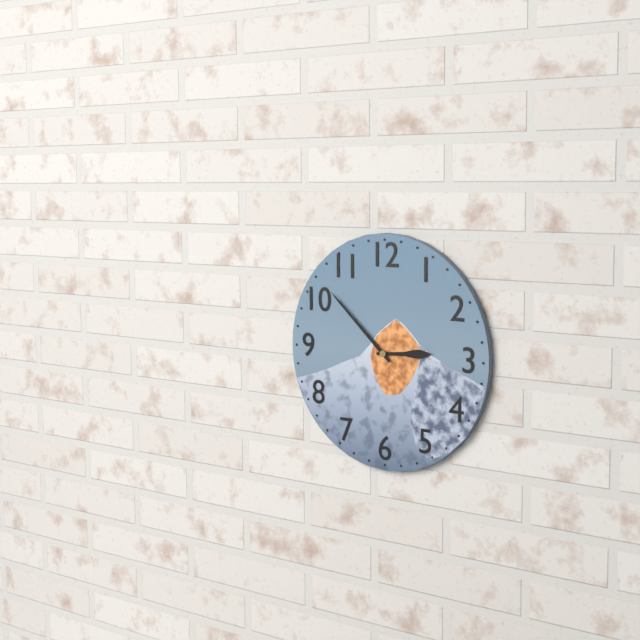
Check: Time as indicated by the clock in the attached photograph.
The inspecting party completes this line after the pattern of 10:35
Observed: 2:52
